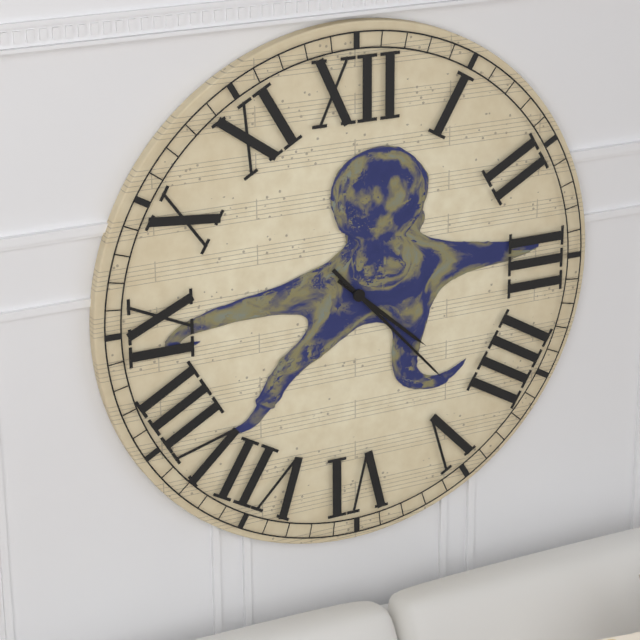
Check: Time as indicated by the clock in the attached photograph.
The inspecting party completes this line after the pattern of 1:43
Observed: 4:23
